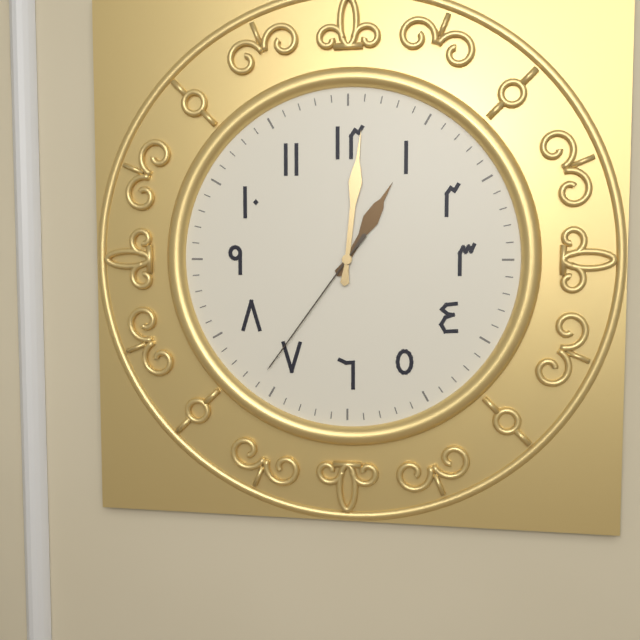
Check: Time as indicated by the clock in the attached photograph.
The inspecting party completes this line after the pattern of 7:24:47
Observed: 1:01:36
